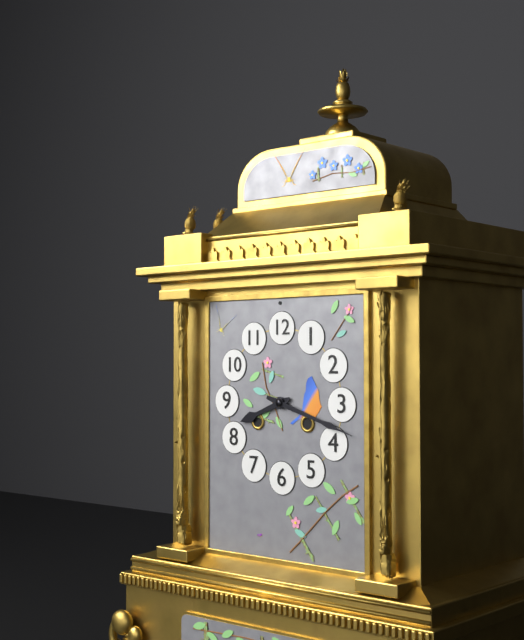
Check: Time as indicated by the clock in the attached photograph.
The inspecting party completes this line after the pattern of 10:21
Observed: 8:18
